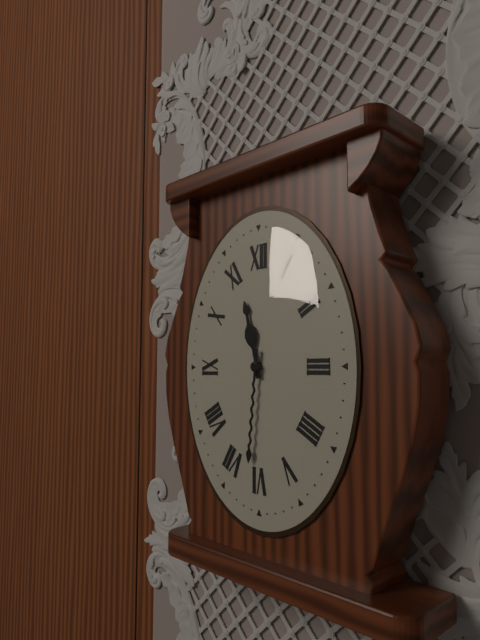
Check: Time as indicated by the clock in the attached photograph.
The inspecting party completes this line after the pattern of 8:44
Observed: 11:31
